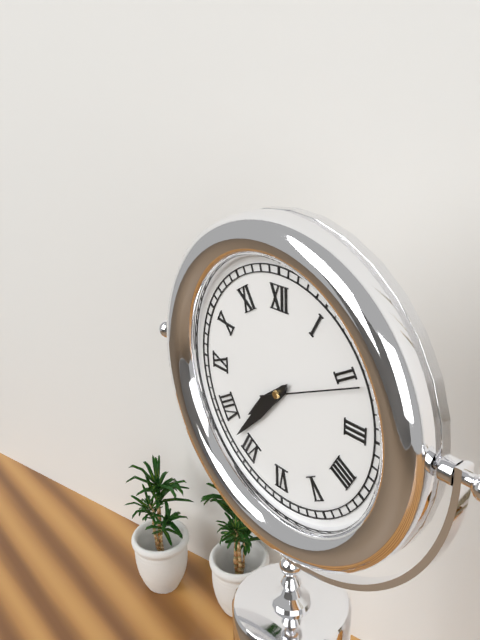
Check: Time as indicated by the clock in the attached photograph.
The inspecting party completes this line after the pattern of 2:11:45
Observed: 7:37:11
